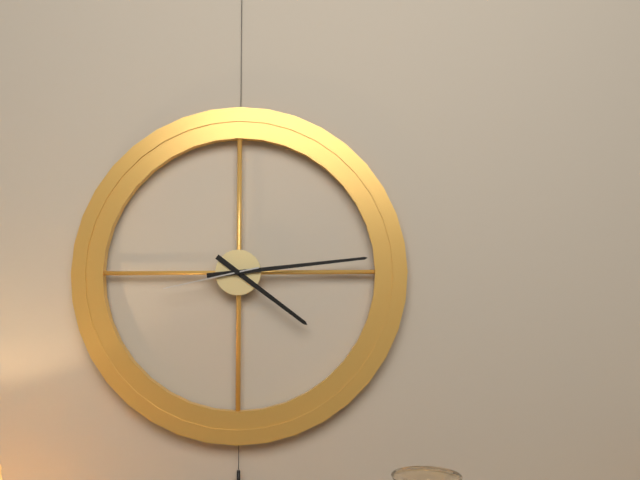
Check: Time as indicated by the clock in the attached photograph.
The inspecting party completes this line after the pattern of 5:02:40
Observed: 4:14:43
